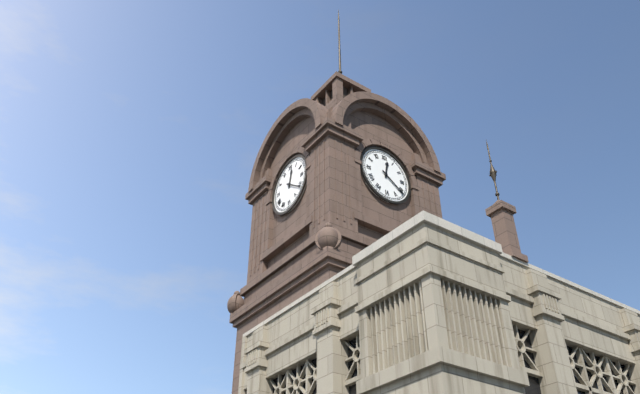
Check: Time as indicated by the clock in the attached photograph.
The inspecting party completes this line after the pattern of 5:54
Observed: 12:21
